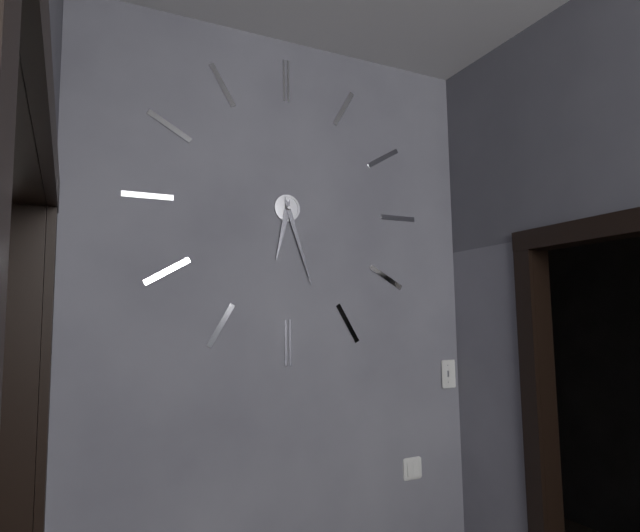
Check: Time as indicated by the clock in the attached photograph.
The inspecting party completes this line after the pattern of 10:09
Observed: 6:27
